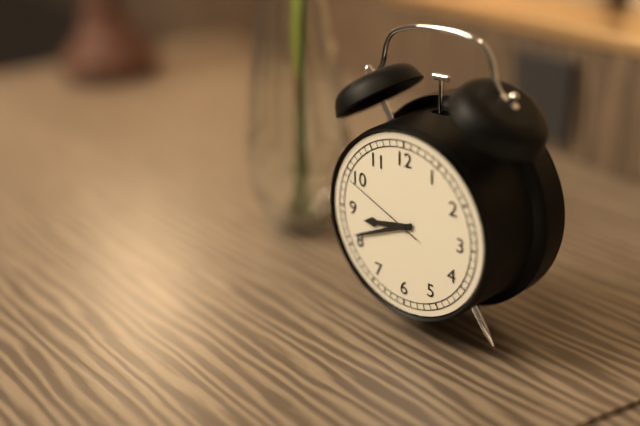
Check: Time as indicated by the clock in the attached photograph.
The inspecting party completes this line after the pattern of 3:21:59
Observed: 8:41:49
